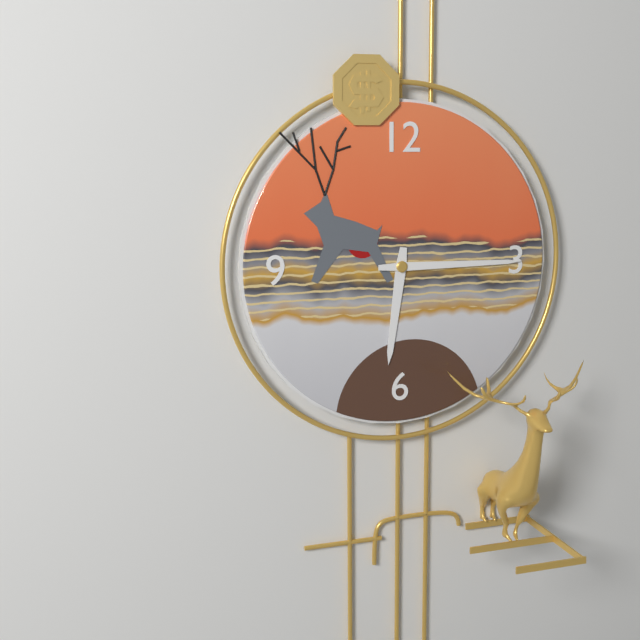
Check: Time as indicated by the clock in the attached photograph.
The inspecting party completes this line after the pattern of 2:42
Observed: 6:15
